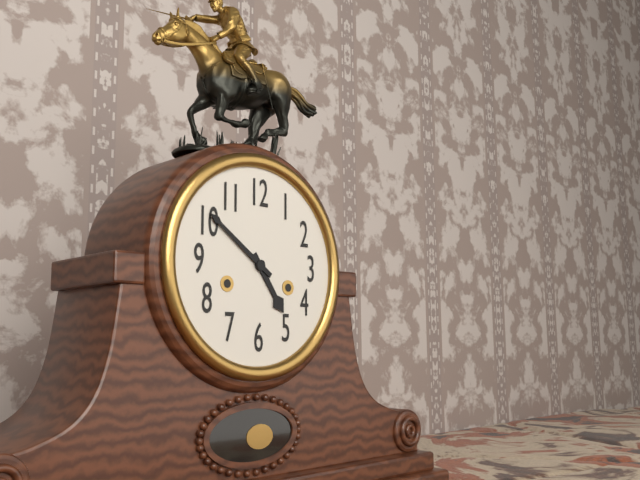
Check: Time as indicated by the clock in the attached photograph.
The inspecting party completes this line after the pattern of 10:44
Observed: 4:51
